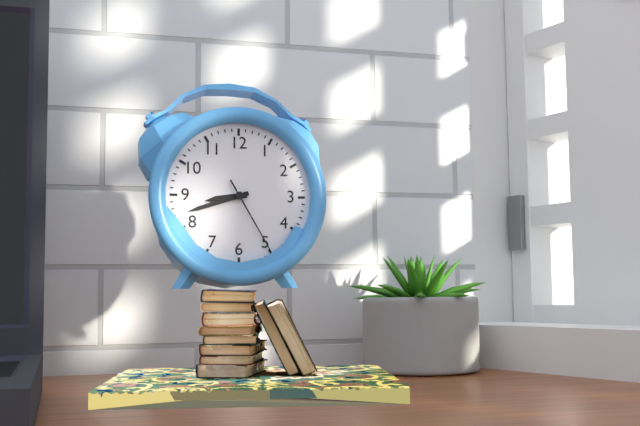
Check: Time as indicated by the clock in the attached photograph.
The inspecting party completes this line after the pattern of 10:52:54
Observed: 8:42:25
